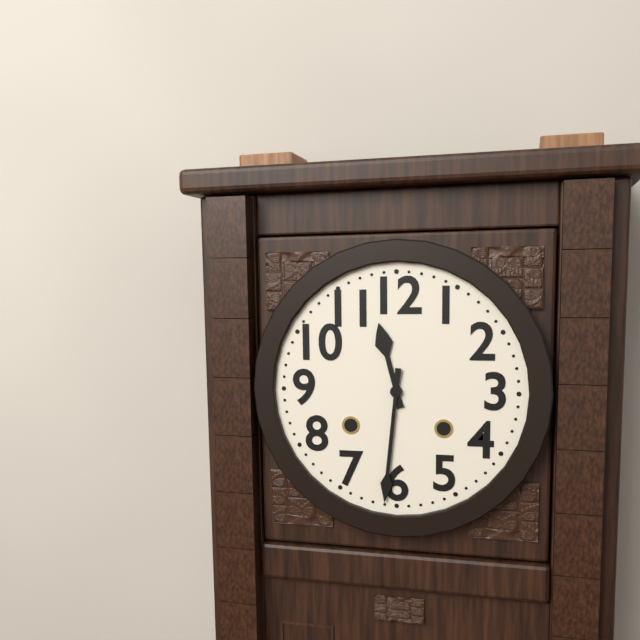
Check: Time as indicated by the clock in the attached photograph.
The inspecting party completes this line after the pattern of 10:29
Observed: 11:31
